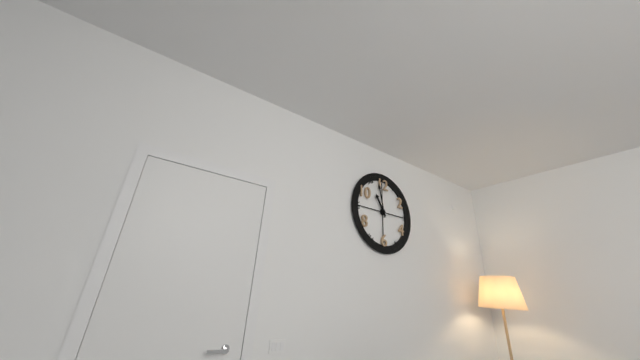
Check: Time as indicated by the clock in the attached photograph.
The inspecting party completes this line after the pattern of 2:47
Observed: 10:58
